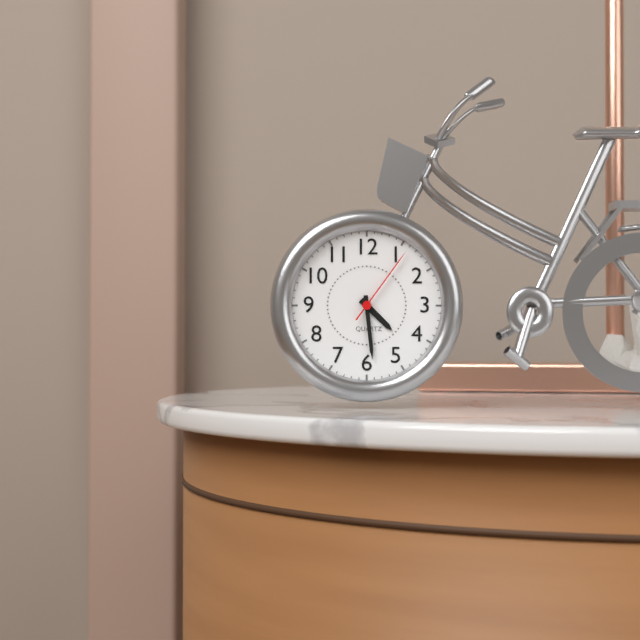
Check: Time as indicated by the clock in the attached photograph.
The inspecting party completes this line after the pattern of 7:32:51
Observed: 4:29:06
